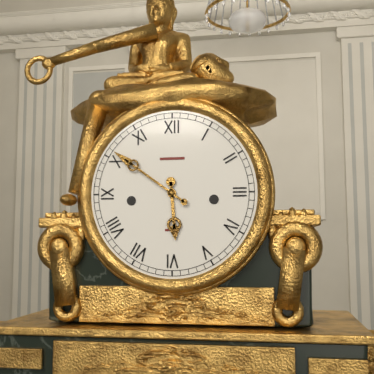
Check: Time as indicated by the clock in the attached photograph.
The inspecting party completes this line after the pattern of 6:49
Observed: 5:51
